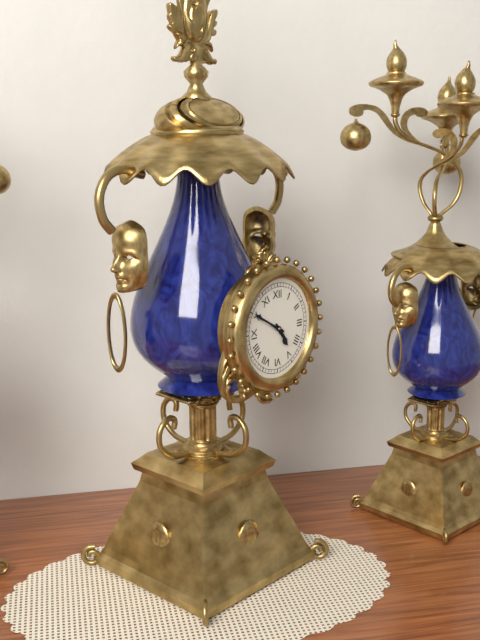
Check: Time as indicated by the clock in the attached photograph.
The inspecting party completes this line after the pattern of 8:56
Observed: 4:50
